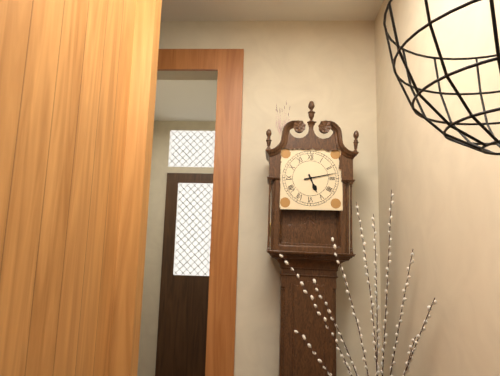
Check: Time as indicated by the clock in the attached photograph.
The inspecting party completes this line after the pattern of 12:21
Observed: 5:13
